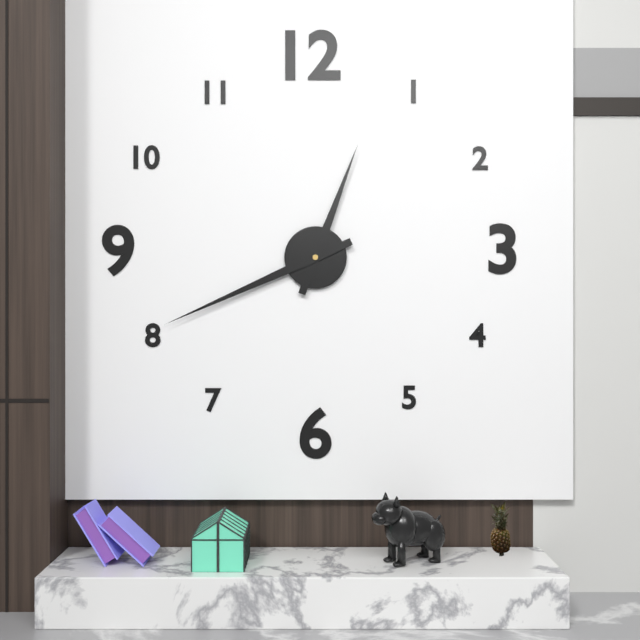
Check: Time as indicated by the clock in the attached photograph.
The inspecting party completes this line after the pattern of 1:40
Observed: 12:41
